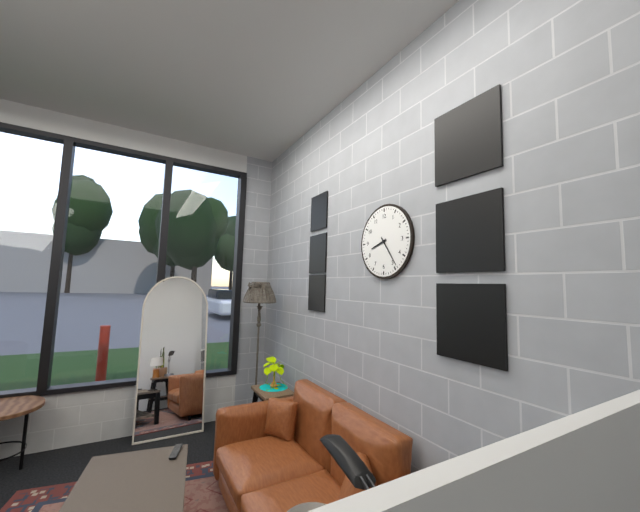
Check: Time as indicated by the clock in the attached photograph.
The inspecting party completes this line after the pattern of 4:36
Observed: 8:24
